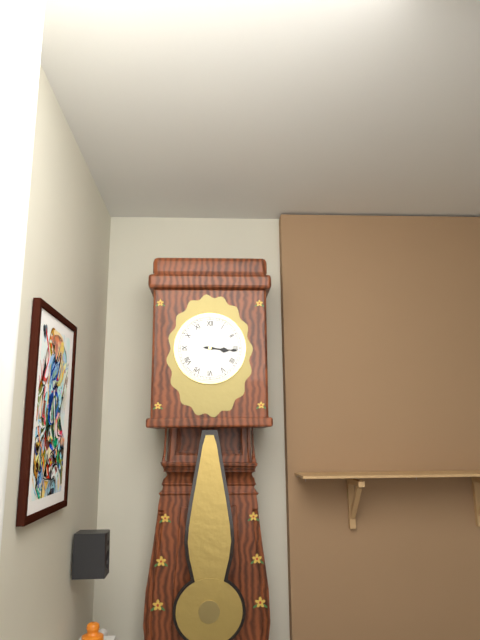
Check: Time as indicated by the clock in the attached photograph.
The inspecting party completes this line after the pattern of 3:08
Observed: 3:16
